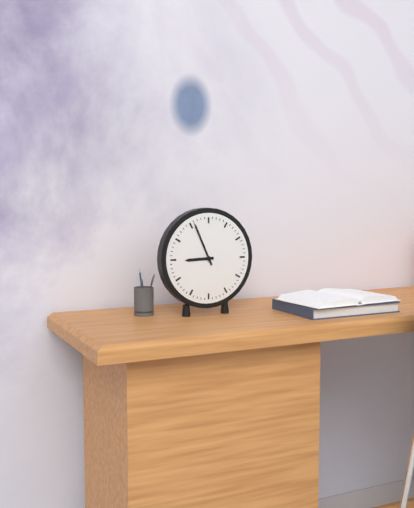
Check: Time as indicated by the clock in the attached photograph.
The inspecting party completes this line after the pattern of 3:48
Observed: 8:56
